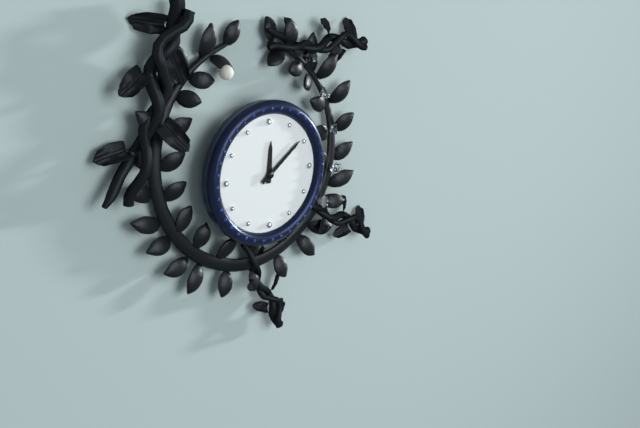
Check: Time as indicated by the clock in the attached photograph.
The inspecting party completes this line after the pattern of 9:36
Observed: 12:09
